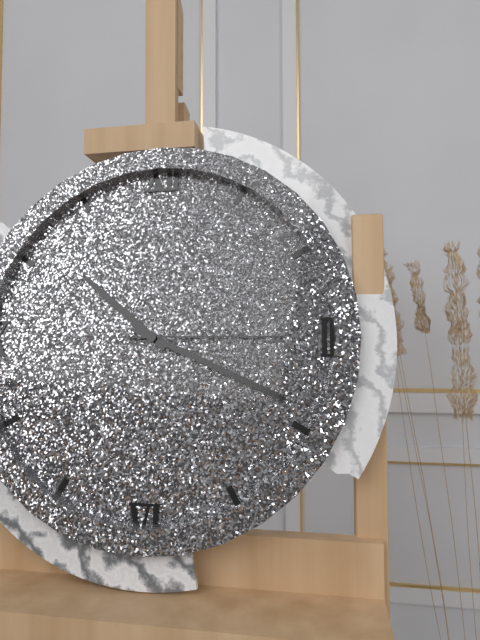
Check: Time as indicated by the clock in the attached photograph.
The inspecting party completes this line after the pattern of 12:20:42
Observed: 10:19:15
